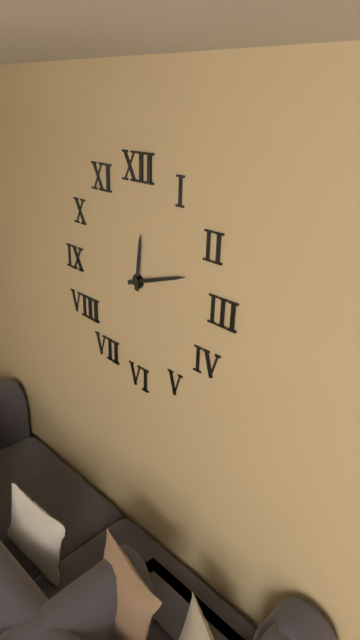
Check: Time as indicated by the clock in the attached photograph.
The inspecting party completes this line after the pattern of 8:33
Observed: 12:12
